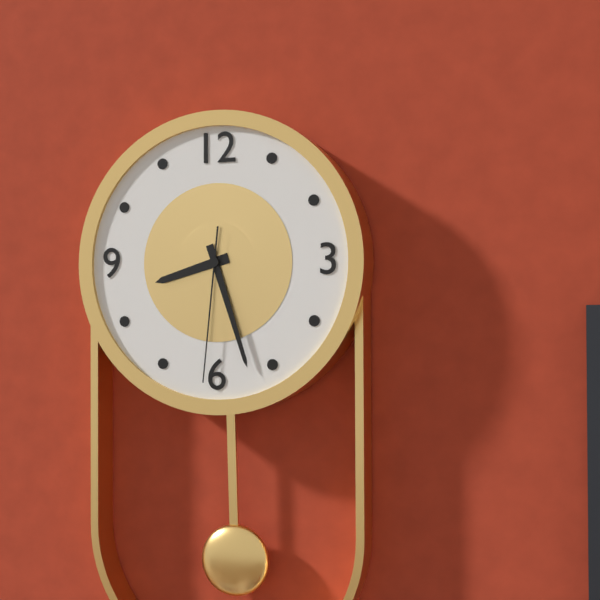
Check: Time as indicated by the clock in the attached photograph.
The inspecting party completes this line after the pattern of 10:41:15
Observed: 8:27:31
